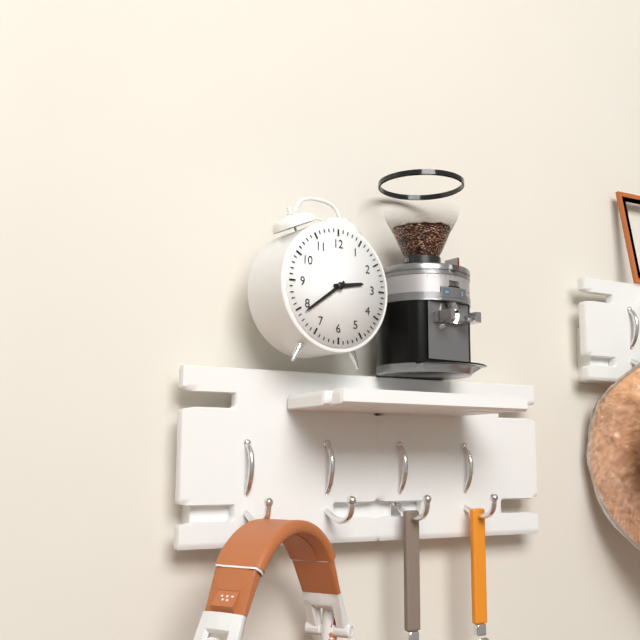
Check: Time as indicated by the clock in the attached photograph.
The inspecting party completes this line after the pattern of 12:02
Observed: 2:39
